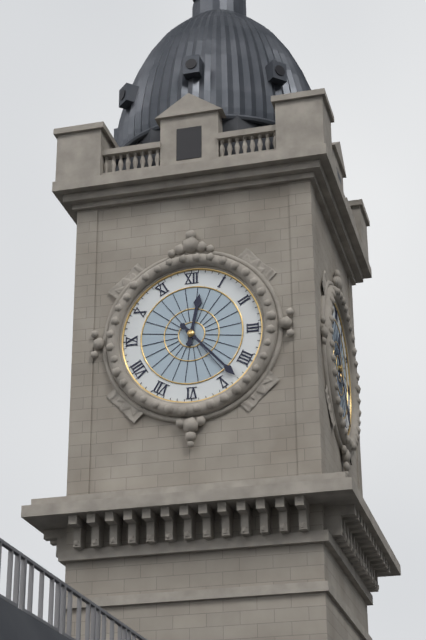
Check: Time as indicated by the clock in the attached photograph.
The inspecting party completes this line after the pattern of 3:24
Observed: 12:23
